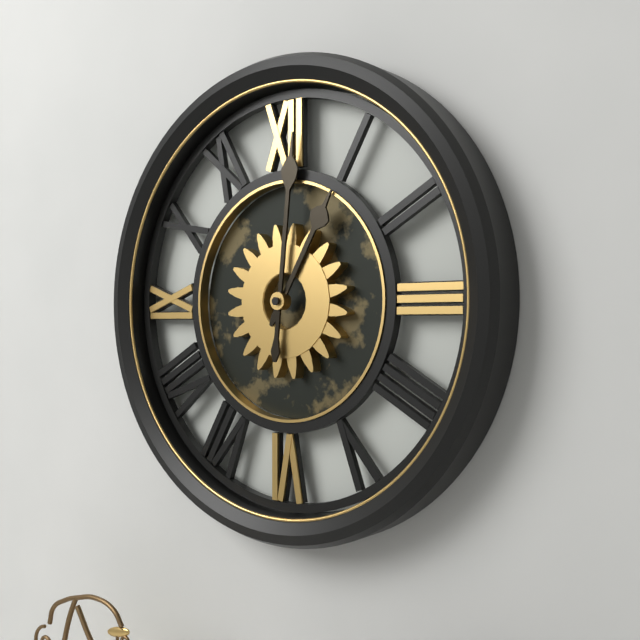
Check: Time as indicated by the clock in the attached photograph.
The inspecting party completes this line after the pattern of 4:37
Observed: 1:01
